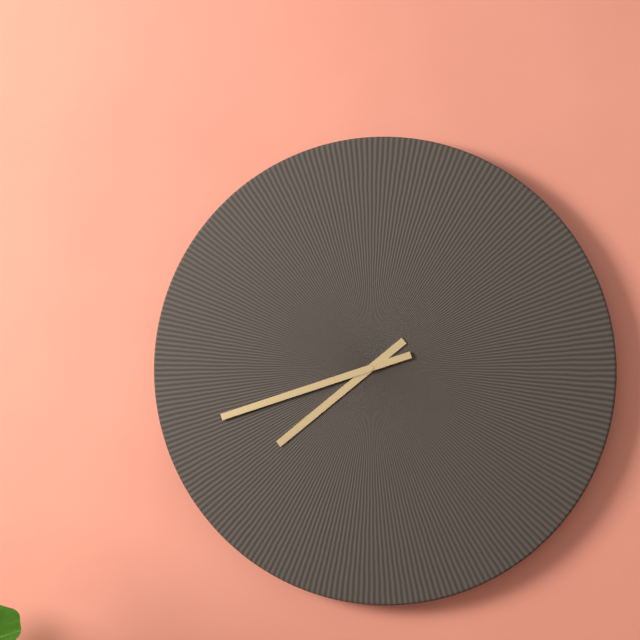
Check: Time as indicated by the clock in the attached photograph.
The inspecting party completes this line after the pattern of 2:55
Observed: 7:42
